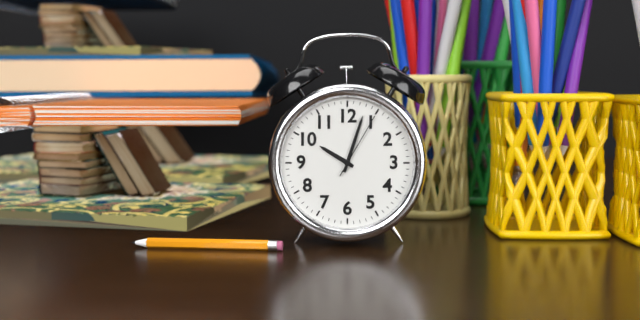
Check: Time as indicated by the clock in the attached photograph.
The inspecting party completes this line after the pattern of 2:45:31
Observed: 10:03:05
